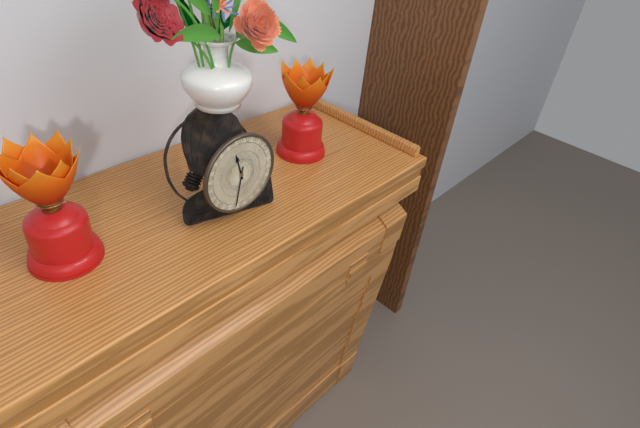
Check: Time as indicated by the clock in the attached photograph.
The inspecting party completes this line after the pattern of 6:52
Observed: 11:32
